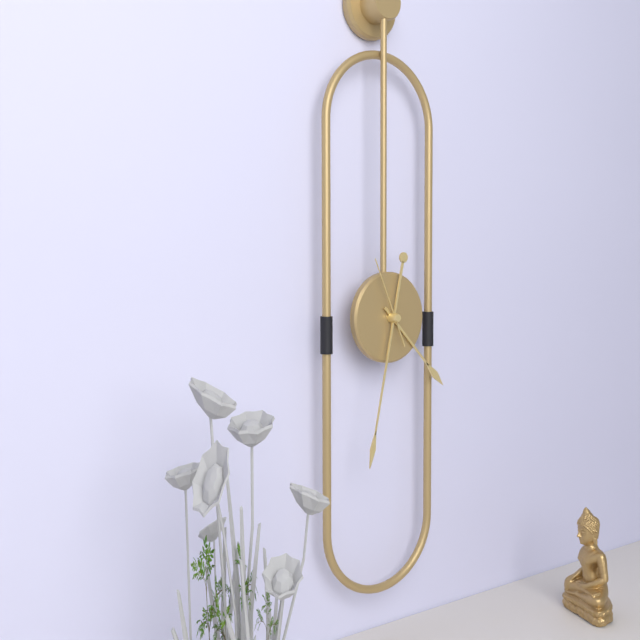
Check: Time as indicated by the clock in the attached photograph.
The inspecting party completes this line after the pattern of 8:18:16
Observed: 4:32:56
